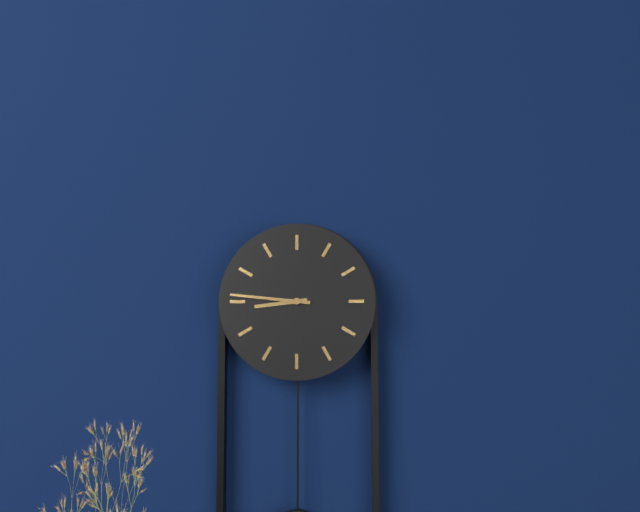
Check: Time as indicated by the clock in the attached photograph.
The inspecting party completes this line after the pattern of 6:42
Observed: 8:46
